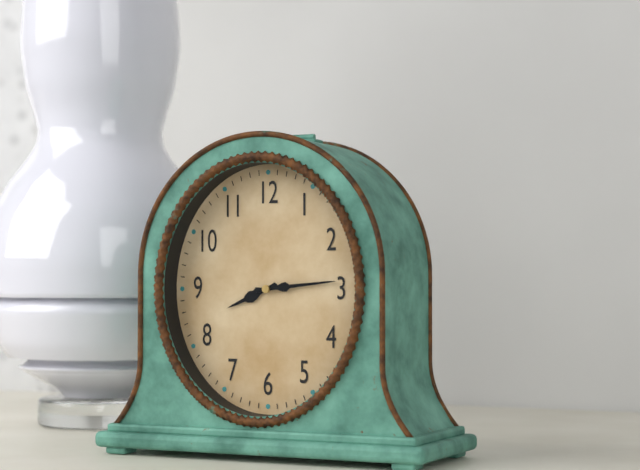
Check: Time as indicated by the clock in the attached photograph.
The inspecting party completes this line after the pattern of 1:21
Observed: 8:14
